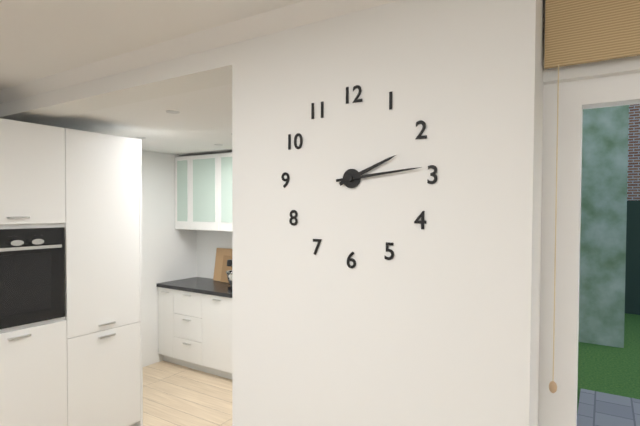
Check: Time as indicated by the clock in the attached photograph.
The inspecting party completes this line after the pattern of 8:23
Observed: 2:14
